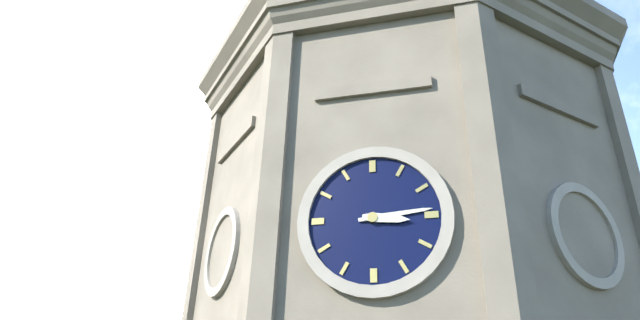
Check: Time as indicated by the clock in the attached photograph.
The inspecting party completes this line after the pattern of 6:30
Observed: 3:14
